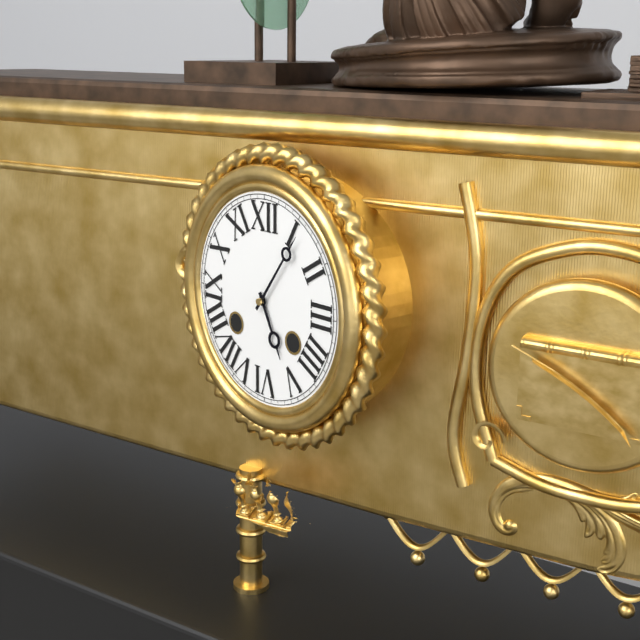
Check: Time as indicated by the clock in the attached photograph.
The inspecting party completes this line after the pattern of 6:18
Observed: 5:06
